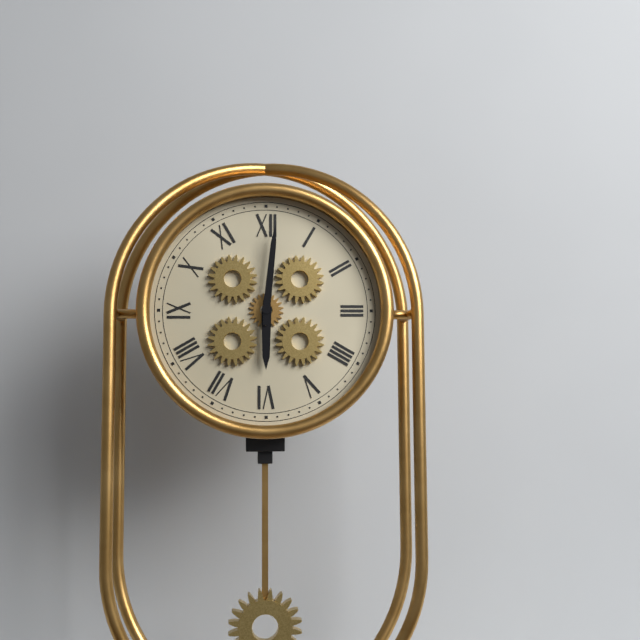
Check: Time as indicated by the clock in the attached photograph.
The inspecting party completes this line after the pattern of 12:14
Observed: 6:01
